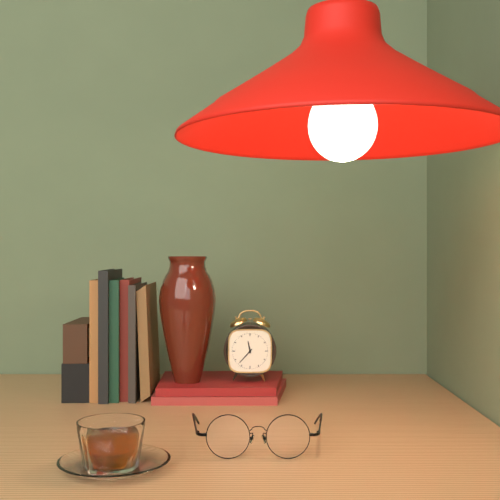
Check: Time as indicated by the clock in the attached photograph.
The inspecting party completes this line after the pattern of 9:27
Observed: 11:37
